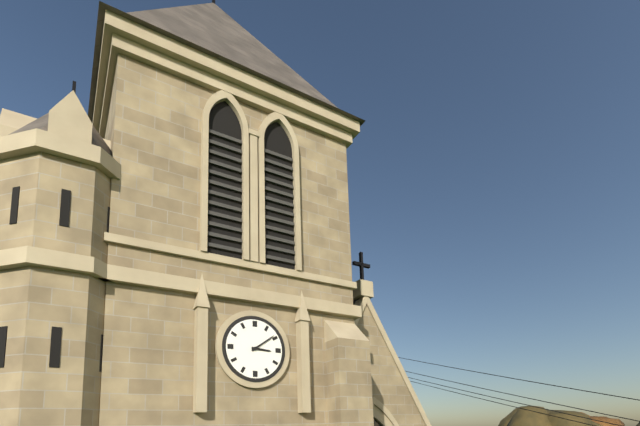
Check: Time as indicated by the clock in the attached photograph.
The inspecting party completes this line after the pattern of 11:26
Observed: 3:09
